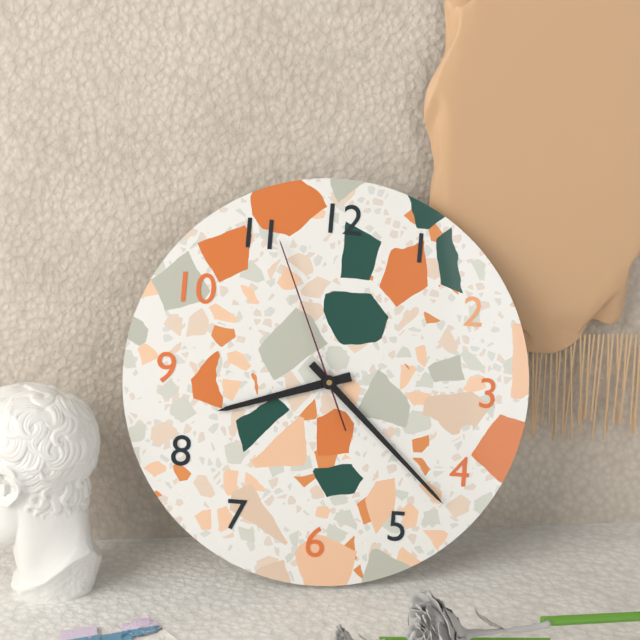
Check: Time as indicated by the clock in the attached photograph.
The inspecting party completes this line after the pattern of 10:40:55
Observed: 8:22:56
